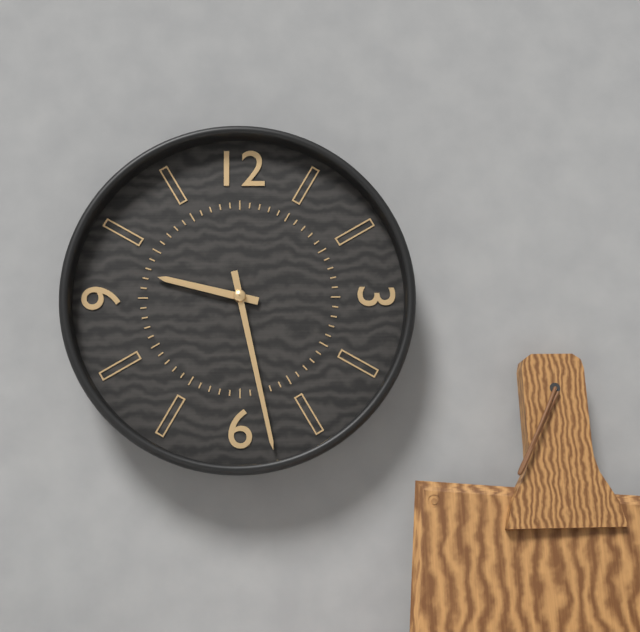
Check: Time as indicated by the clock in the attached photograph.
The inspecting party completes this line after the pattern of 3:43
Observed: 9:28
